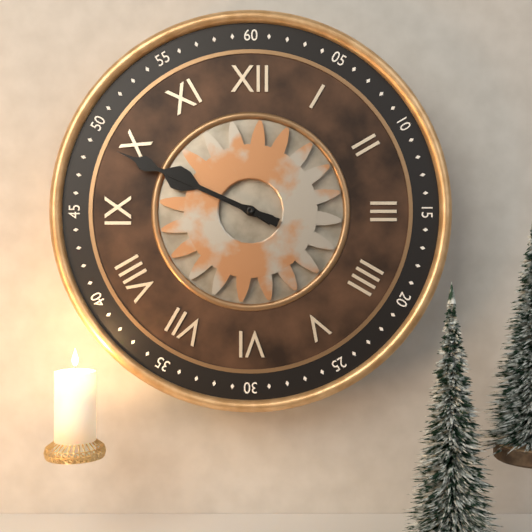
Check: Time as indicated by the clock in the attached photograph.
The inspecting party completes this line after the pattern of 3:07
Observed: 9:49
